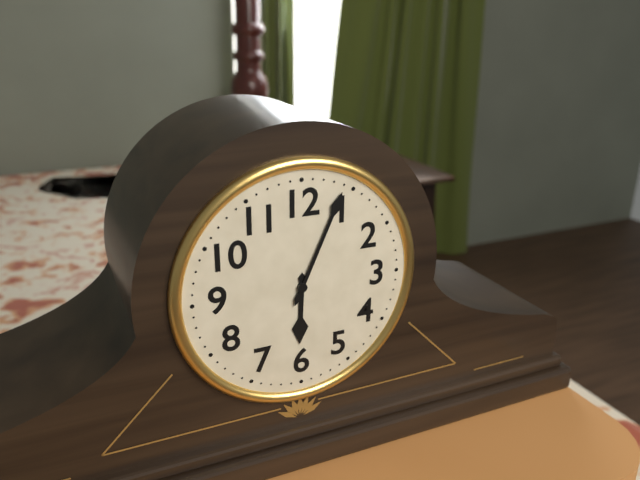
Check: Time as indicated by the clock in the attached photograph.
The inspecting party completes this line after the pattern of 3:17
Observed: 6:04
